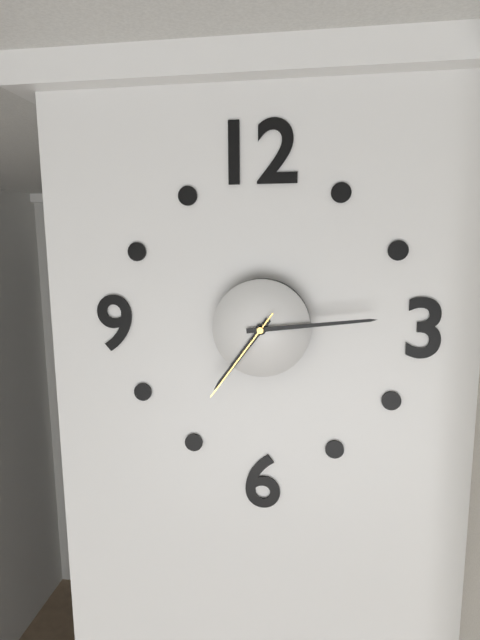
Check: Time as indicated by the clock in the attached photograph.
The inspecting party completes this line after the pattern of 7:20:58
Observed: 7:14:36
